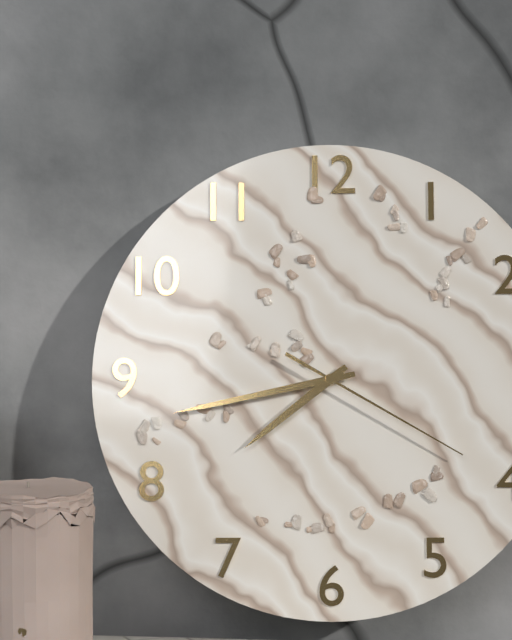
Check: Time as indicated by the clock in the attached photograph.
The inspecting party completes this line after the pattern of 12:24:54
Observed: 7:43:20
